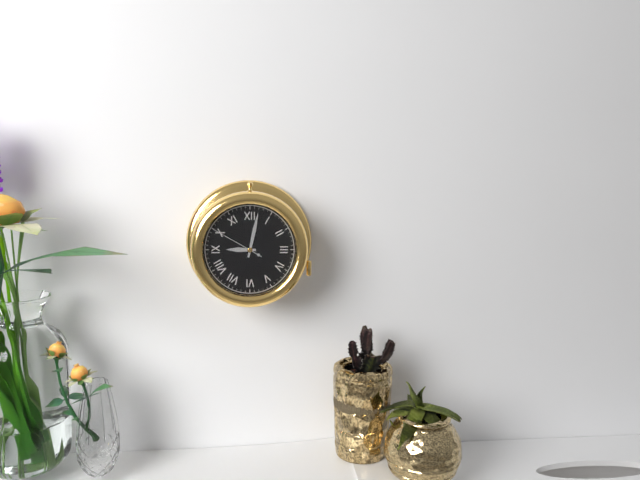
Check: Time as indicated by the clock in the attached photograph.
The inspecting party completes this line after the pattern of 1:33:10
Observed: 9:02:50
